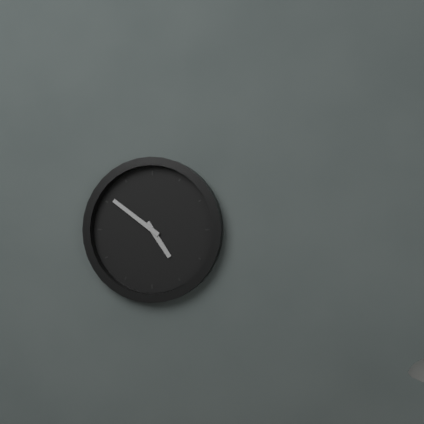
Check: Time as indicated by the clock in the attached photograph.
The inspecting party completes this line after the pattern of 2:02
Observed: 4:51
